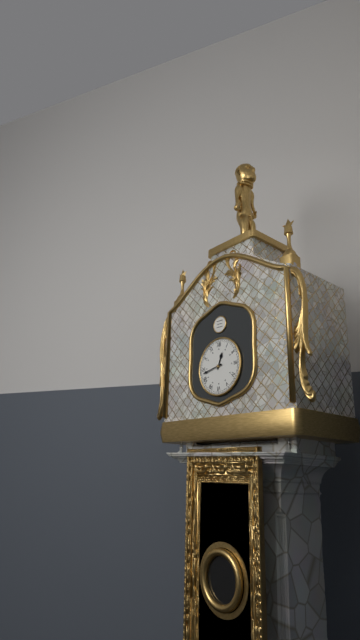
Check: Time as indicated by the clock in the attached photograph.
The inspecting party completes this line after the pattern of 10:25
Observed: 12:43
